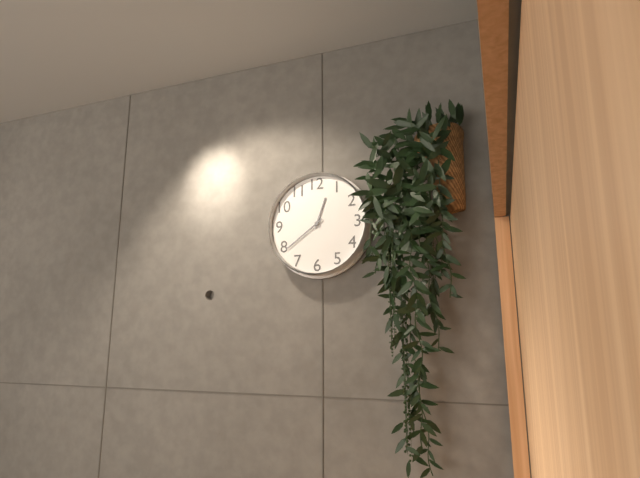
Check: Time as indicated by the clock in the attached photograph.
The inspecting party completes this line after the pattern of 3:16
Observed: 12:39
